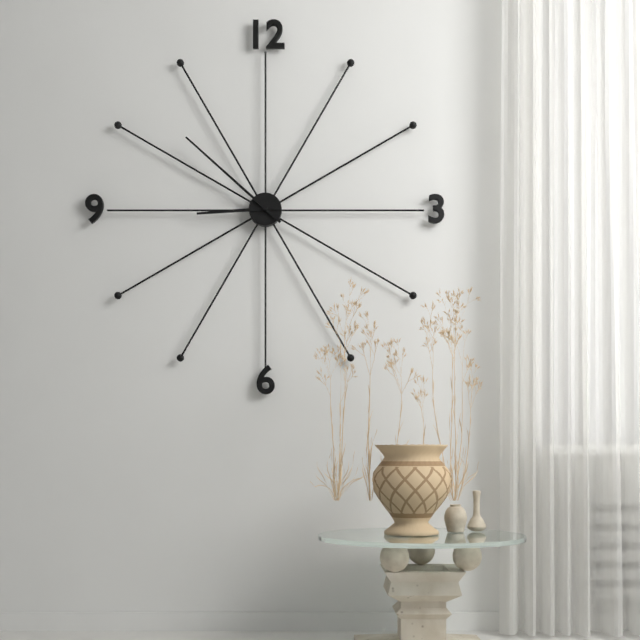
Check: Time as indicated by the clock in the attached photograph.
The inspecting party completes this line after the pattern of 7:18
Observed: 8:52
